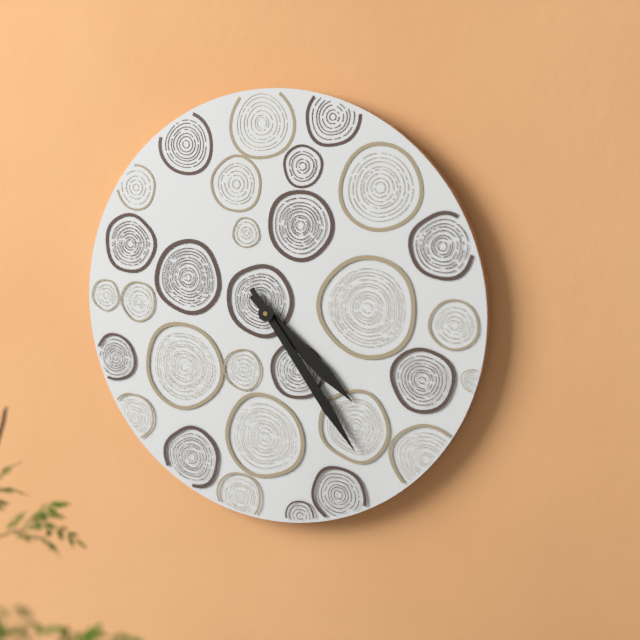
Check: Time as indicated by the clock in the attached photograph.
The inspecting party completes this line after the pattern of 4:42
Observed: 4:24
